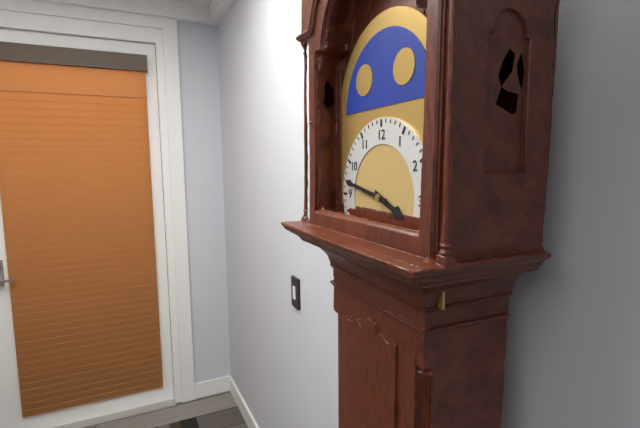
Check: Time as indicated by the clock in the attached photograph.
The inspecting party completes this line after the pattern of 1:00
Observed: 3:47
